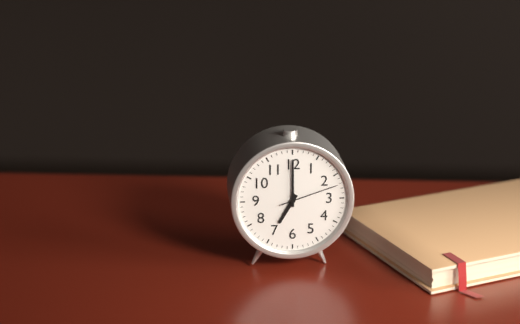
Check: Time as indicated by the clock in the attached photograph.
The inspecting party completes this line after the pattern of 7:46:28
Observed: 7:00:12
